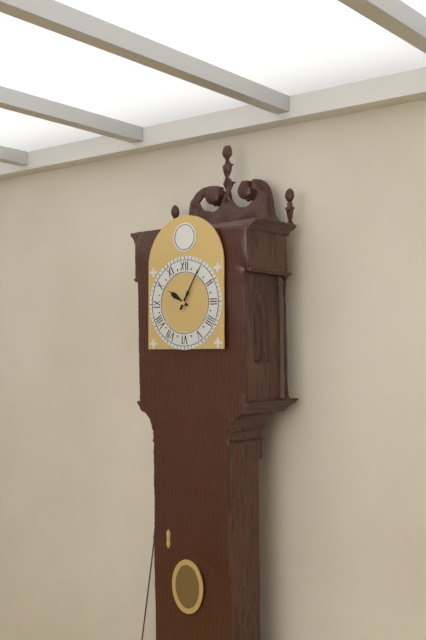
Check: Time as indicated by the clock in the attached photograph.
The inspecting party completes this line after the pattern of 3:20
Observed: 10:05
